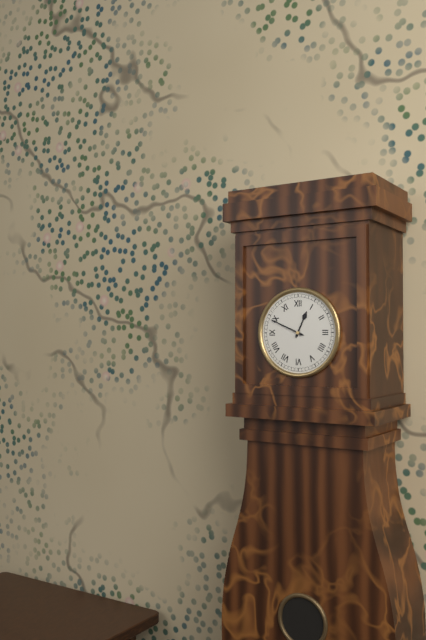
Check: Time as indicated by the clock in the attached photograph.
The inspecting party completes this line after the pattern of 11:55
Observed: 12:49
